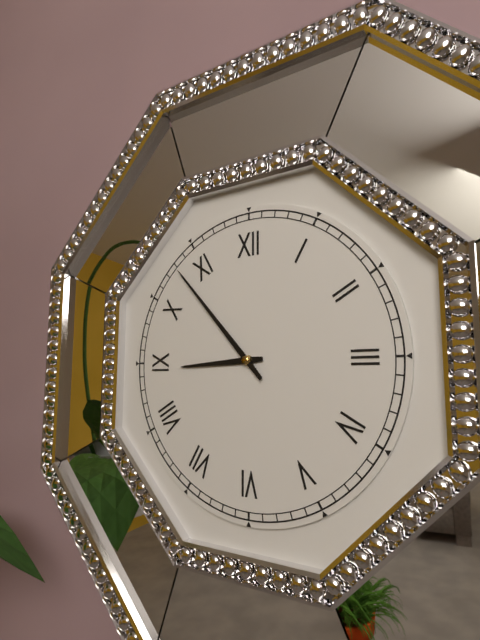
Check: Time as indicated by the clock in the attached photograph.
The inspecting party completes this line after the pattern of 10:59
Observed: 8:53
